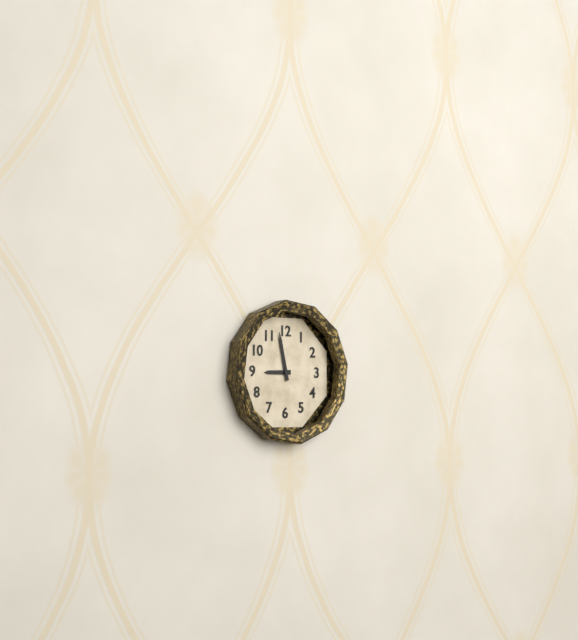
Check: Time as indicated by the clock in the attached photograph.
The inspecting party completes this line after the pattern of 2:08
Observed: 8:58
